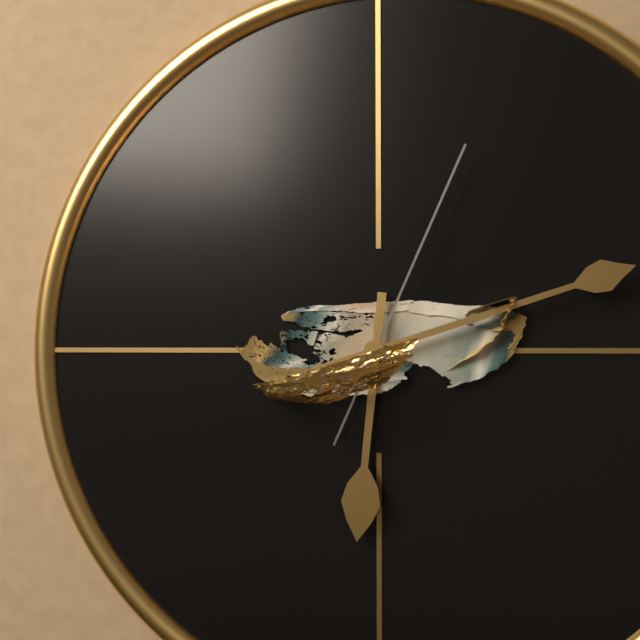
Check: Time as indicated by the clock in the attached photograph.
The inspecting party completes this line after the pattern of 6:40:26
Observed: 6:12:04
